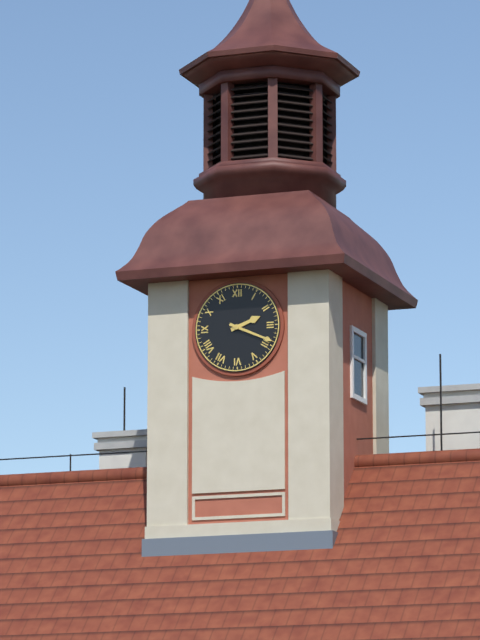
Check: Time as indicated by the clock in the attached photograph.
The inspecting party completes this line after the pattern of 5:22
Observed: 2:19
